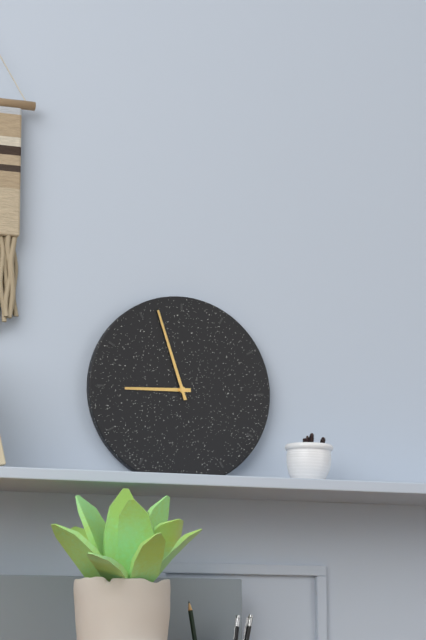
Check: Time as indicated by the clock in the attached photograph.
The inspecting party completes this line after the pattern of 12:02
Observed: 8:57
